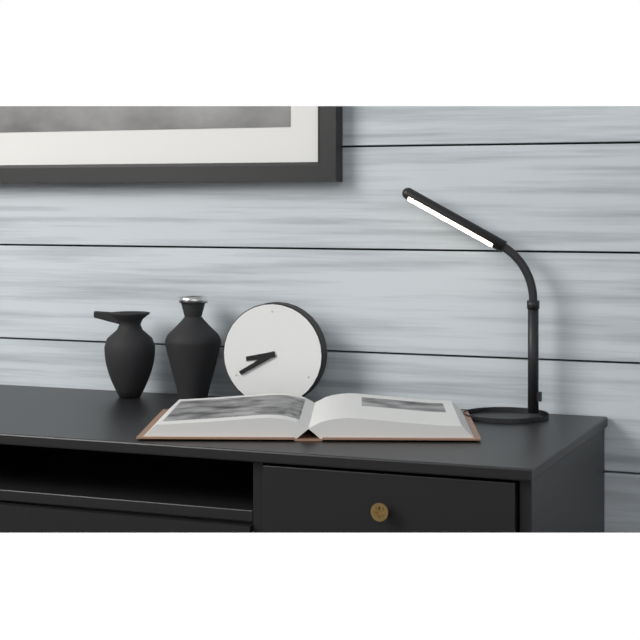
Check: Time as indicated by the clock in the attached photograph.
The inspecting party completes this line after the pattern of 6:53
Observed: 8:40
